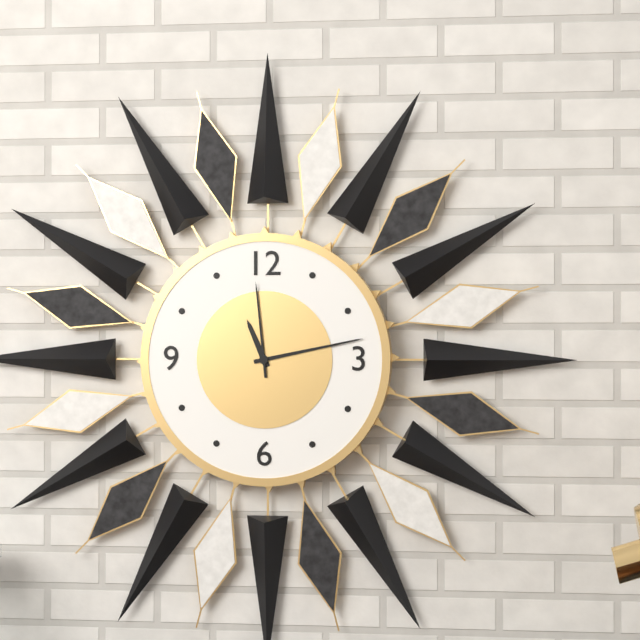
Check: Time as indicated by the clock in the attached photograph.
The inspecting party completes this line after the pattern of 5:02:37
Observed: 11:13:59
